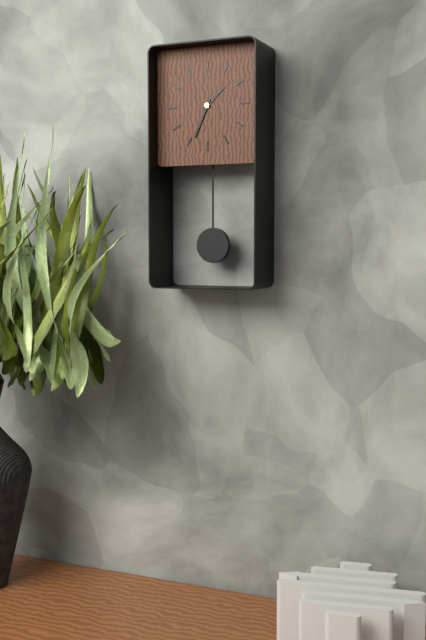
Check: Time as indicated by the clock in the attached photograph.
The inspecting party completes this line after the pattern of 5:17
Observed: 1:34
